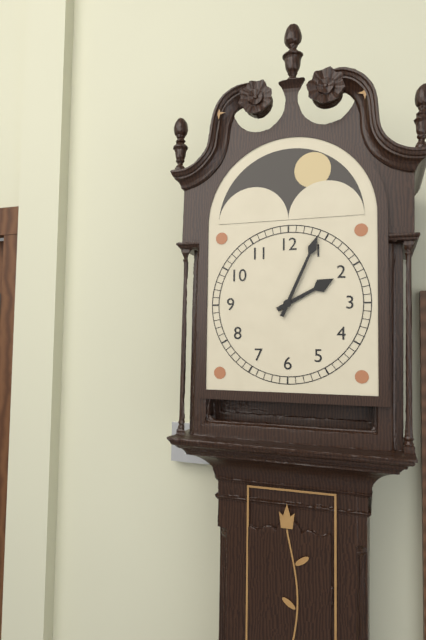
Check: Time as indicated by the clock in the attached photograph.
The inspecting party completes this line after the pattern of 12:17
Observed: 2:04
